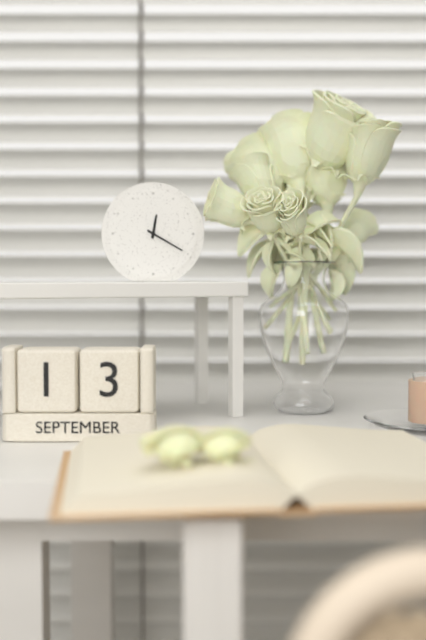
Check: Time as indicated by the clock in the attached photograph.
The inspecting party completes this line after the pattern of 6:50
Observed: 12:20
